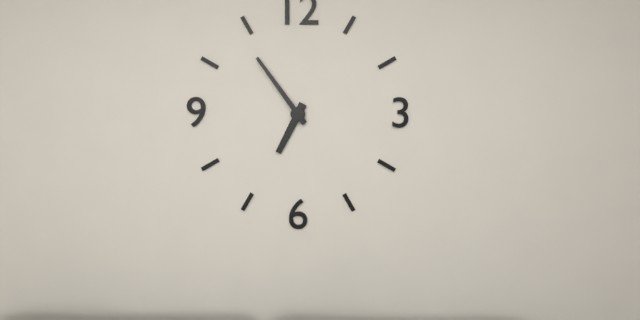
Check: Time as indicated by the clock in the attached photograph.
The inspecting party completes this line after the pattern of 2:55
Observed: 6:54
